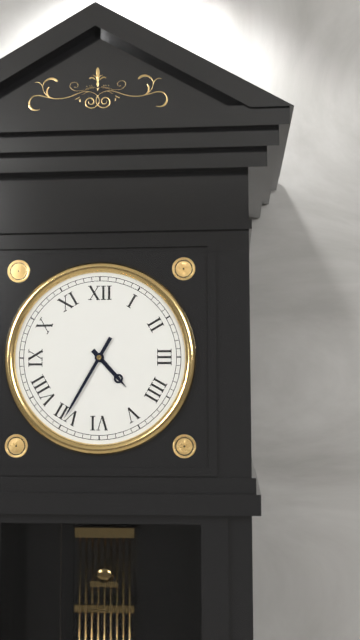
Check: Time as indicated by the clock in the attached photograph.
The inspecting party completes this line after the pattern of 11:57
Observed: 4:35
